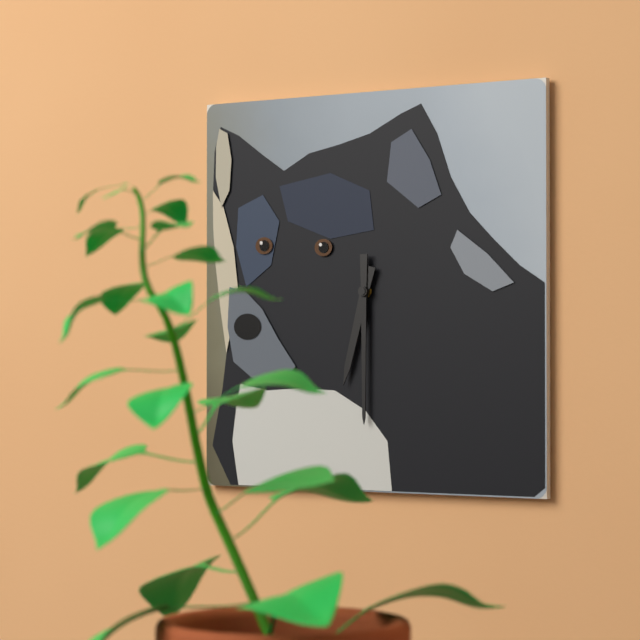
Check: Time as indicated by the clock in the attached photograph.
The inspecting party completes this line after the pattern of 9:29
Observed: 6:30
